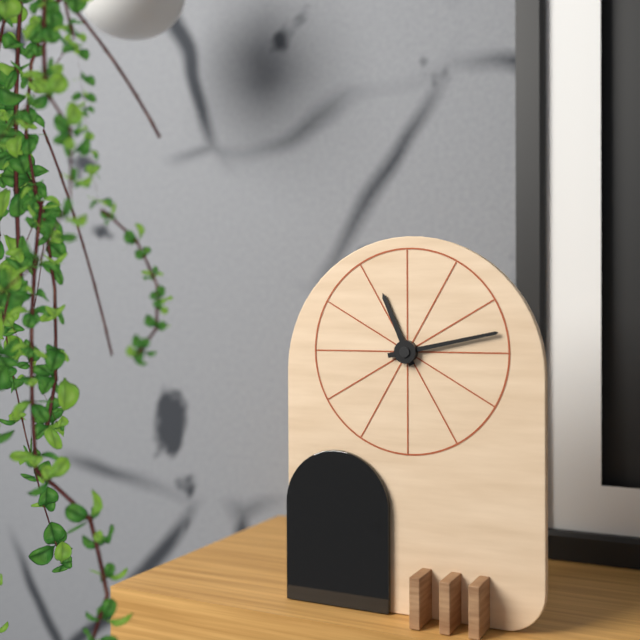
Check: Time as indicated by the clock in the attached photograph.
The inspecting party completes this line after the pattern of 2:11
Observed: 11:13
